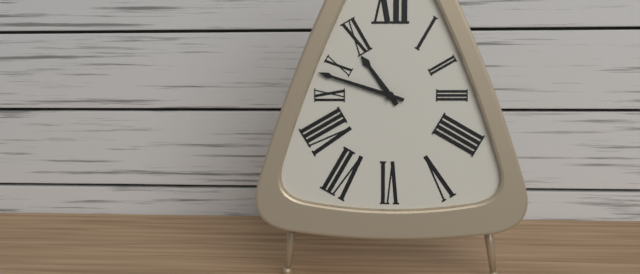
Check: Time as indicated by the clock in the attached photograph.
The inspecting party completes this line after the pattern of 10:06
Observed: 10:48
